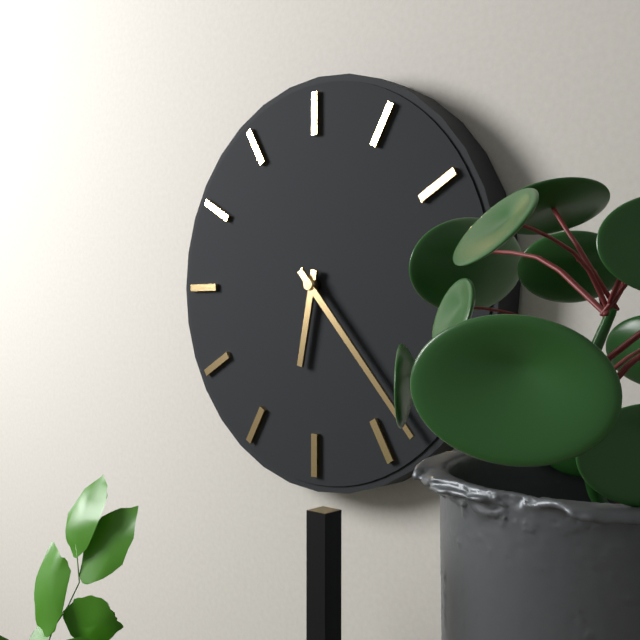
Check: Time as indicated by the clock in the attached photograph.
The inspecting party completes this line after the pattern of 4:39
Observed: 6:23
